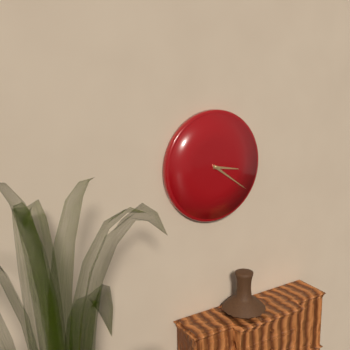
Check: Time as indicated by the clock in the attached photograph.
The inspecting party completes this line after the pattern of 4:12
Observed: 3:21
